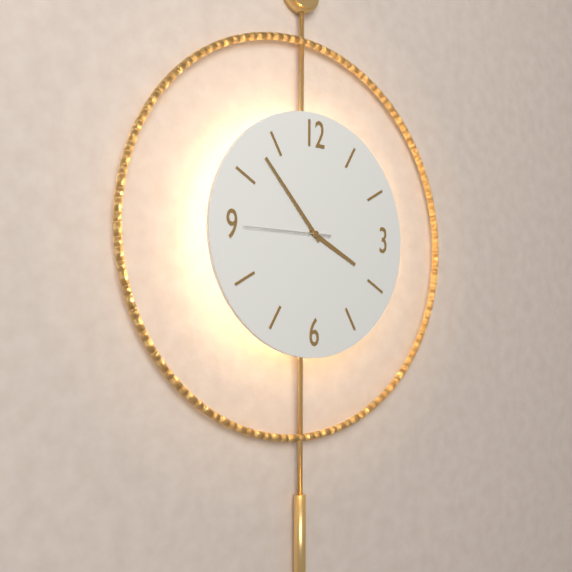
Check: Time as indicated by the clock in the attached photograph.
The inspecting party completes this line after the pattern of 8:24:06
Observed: 3:53:45
